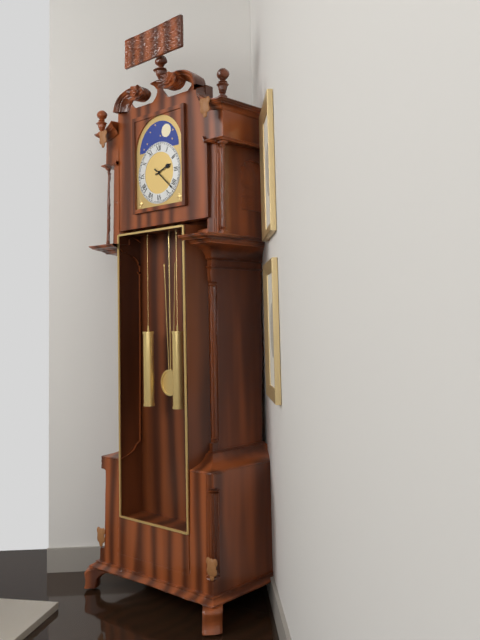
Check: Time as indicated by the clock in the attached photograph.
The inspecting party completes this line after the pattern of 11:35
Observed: 2:22
